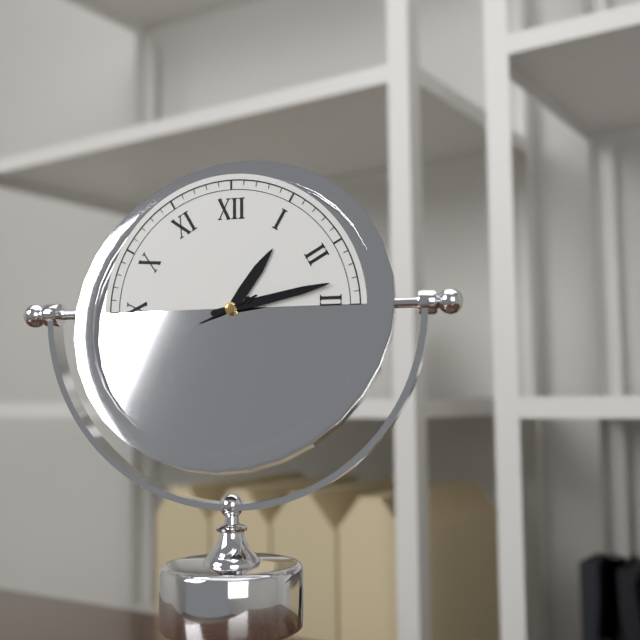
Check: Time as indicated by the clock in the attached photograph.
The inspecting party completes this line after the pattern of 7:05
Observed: 1:13
